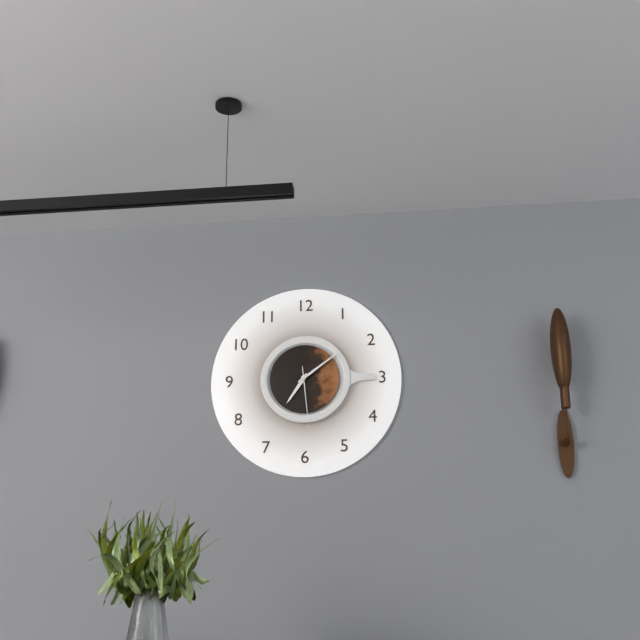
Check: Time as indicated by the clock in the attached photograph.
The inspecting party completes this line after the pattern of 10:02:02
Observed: 7:09:29
